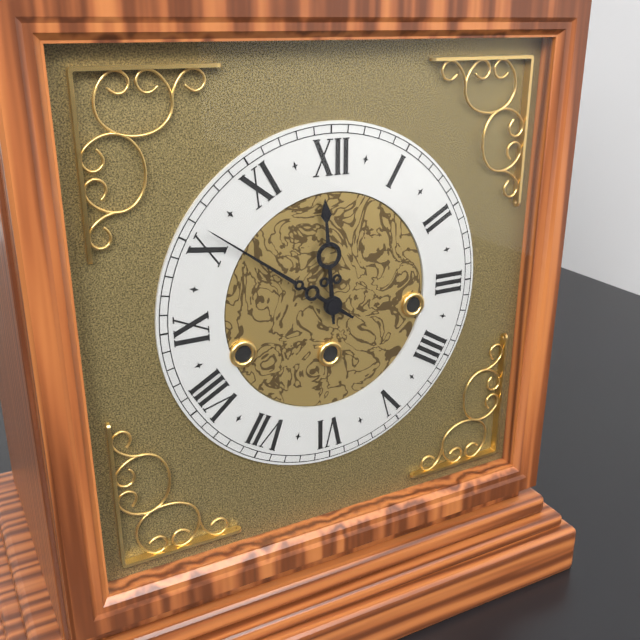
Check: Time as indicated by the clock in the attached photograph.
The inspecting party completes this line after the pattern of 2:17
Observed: 11:51
